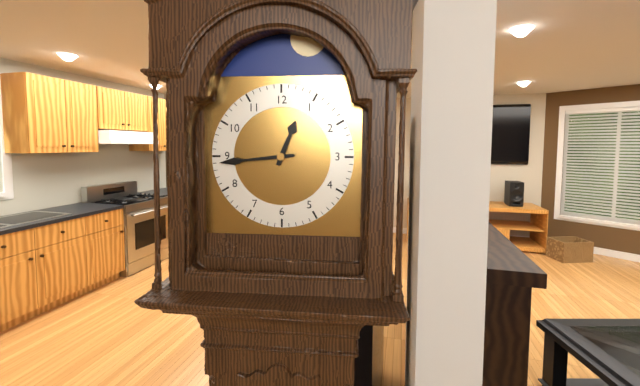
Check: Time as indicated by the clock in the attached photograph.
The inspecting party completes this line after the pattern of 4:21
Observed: 12:44
